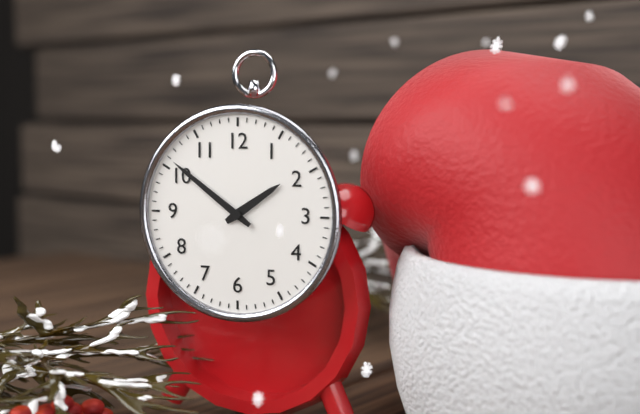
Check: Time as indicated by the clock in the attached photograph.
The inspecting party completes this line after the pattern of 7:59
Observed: 1:51
